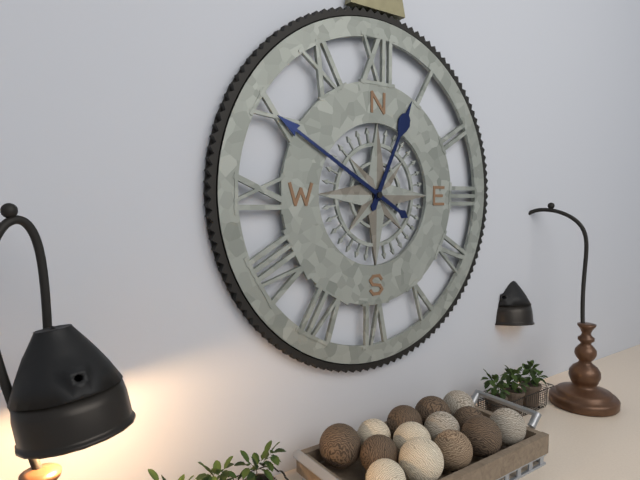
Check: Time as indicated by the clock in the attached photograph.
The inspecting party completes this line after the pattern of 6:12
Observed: 12:50
